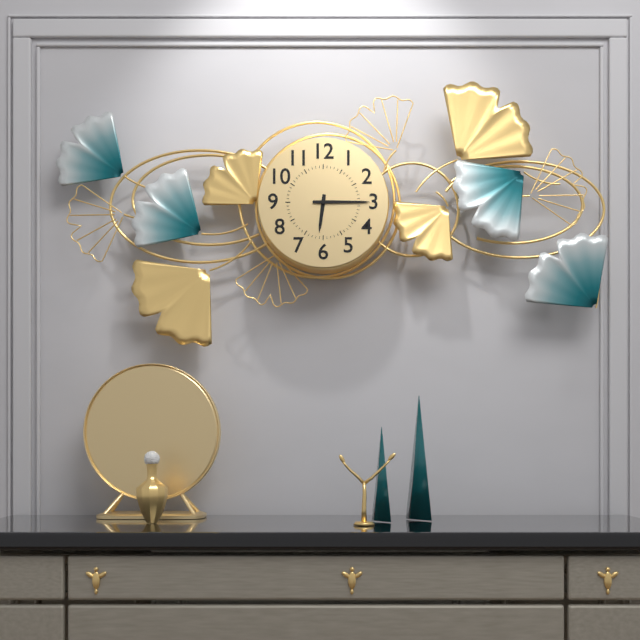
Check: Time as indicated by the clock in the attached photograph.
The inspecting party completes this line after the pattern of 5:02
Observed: 6:15
